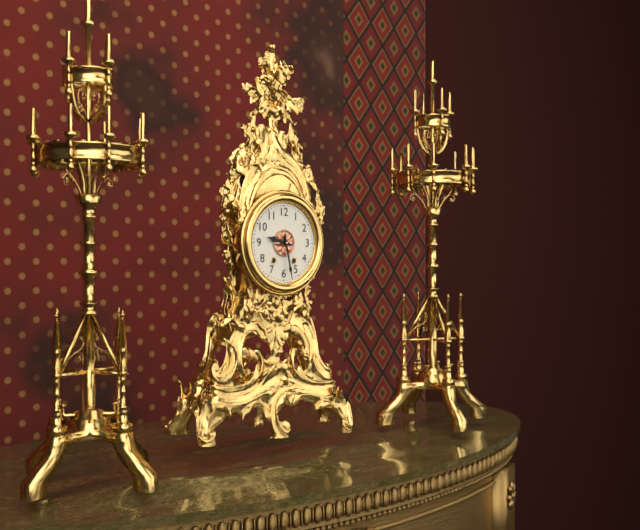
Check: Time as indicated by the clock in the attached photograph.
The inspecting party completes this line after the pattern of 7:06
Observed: 9:28
